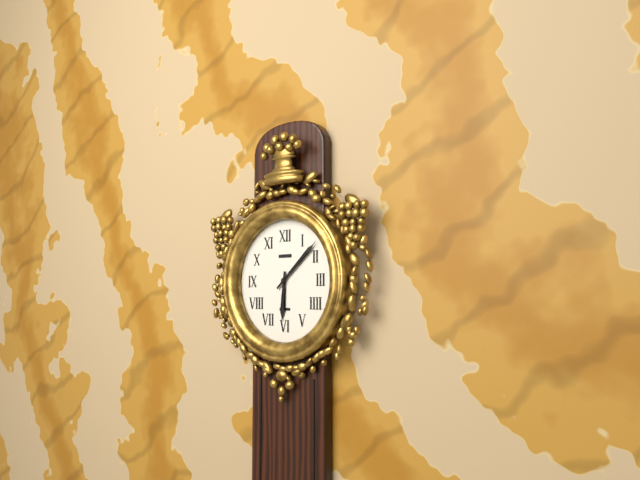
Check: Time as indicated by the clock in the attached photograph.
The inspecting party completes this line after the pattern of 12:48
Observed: 6:08
